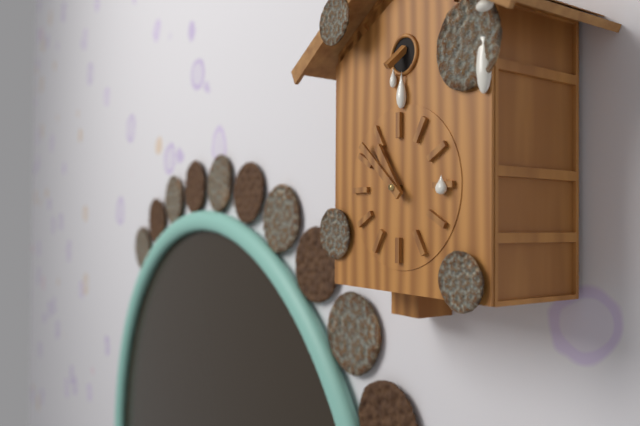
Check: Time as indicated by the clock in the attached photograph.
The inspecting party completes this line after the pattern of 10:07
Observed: 10:52
